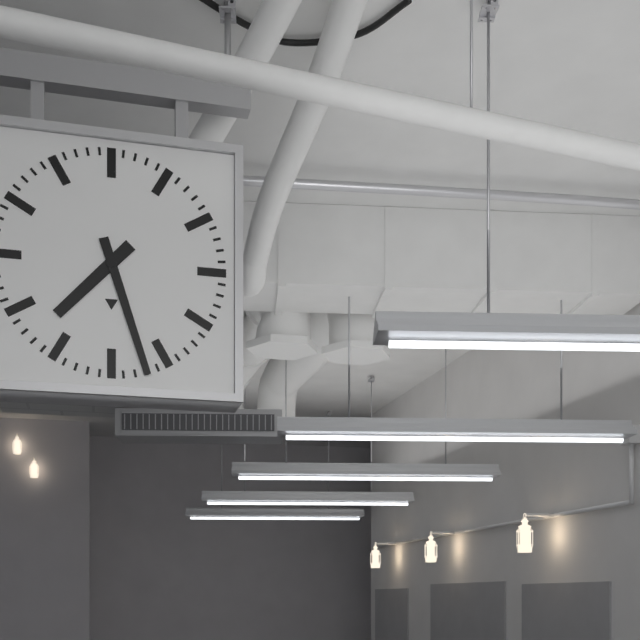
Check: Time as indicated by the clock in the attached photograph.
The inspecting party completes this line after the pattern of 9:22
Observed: 7:27
